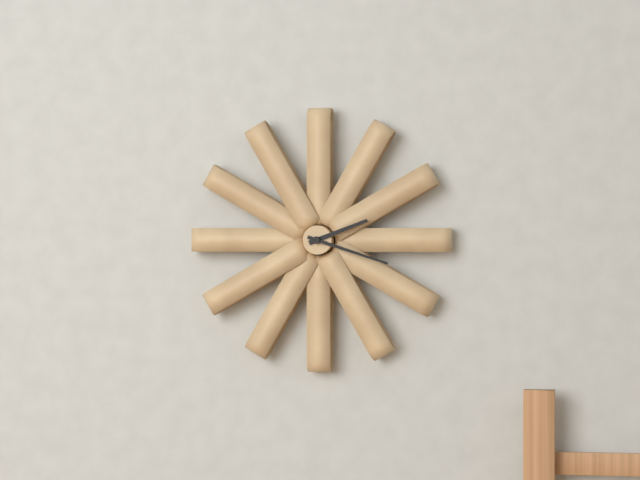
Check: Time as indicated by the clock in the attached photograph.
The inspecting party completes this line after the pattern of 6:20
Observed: 2:18
